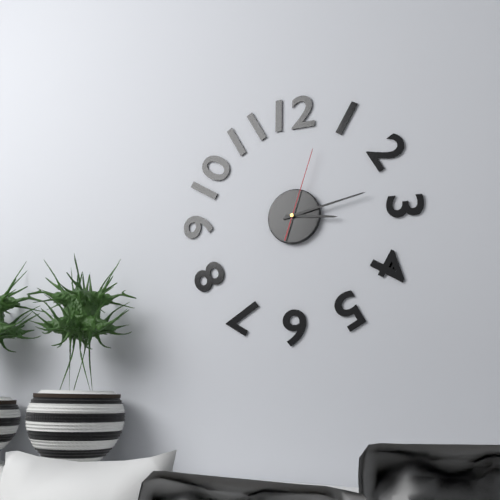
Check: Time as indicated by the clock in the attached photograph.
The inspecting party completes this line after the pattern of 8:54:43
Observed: 3:13:03
